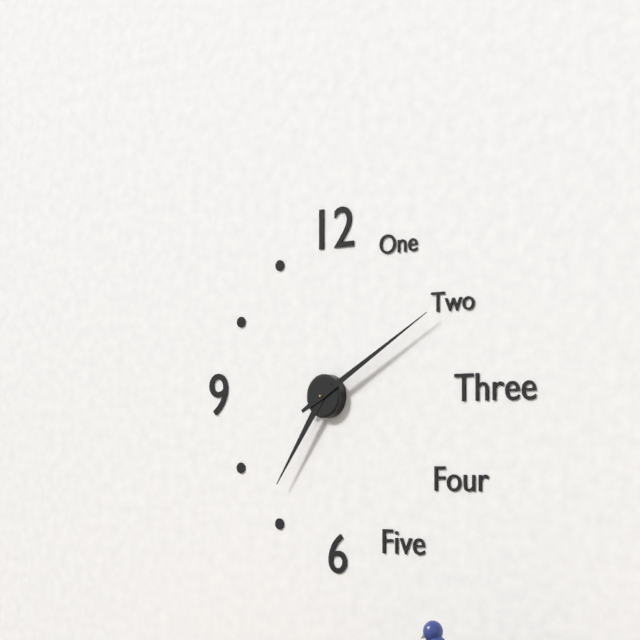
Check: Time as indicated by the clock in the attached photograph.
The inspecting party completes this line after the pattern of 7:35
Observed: 7:10
